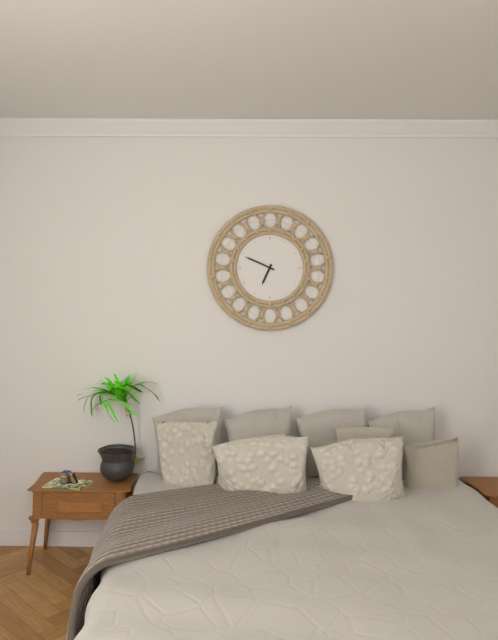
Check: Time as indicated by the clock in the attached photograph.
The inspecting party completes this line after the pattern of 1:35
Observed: 6:49
